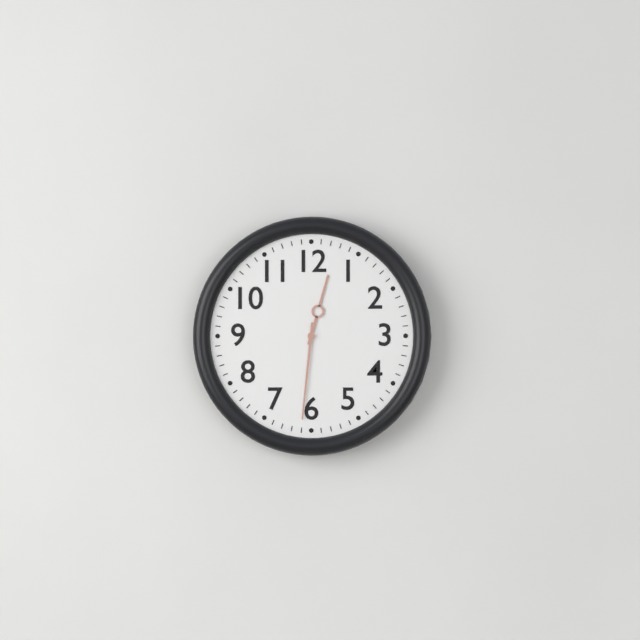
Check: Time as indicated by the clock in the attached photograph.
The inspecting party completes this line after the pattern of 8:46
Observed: 12:31
